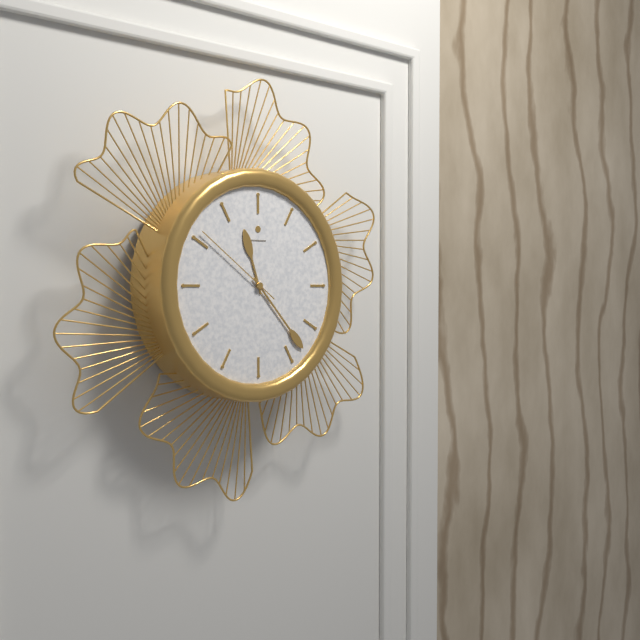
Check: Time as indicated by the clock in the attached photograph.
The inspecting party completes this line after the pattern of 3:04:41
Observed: 11:23:51
